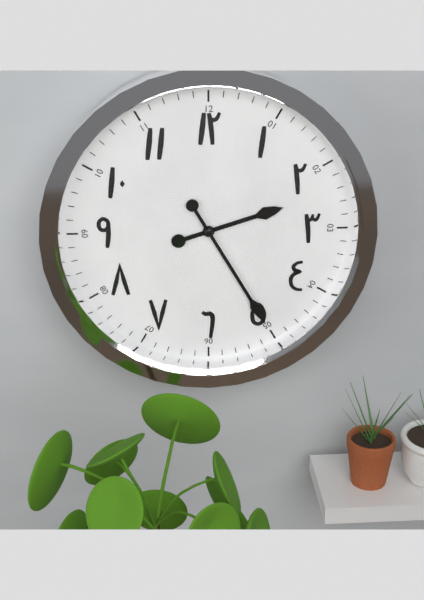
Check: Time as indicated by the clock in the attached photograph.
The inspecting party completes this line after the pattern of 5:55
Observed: 2:25
